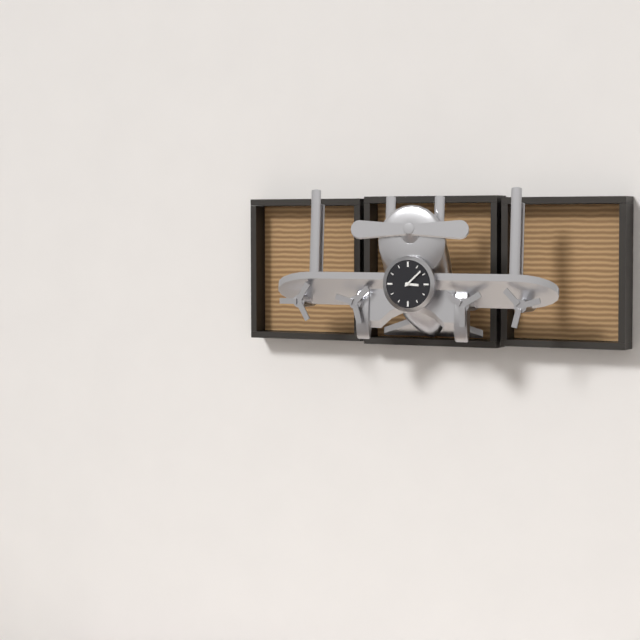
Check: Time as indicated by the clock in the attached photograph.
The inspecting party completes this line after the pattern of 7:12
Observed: 3:08
